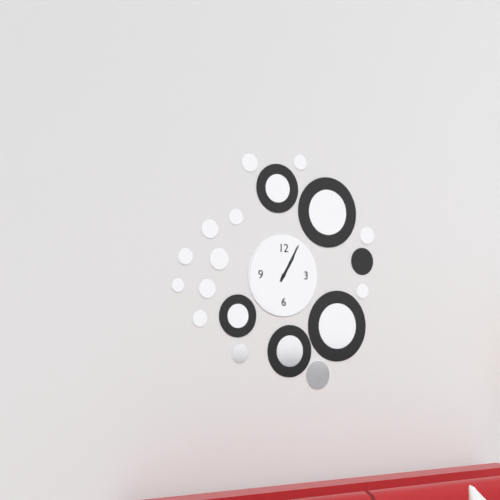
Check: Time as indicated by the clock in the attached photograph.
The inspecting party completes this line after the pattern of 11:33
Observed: 1:05
